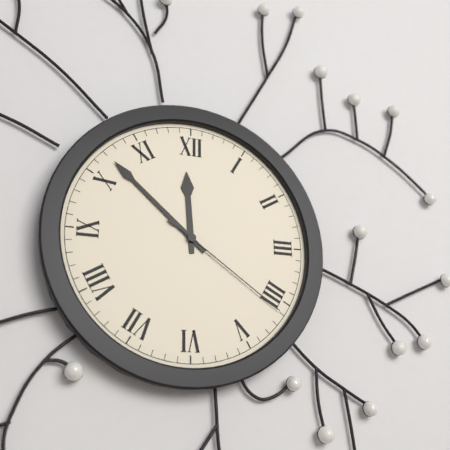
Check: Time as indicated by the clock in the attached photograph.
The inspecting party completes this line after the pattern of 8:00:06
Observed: 11:52:21
